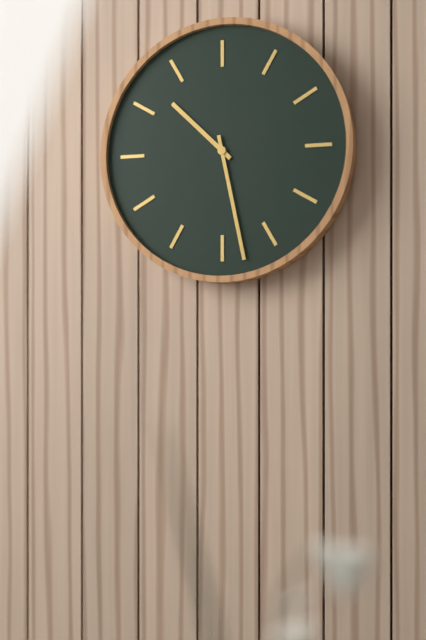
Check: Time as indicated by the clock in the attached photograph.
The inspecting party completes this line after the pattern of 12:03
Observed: 10:28
